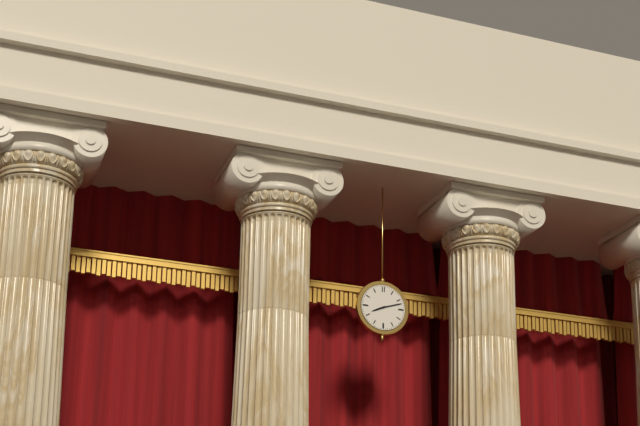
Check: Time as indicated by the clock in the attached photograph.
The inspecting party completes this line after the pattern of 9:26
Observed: 8:12
